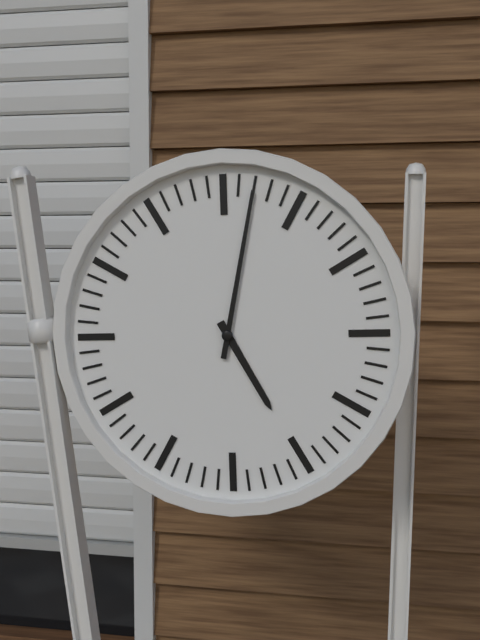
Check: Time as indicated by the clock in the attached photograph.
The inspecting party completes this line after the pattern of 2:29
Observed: 5:02
